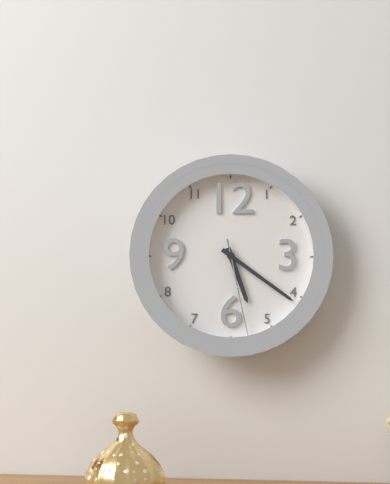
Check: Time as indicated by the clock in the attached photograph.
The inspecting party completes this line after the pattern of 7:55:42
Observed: 5:21:28
